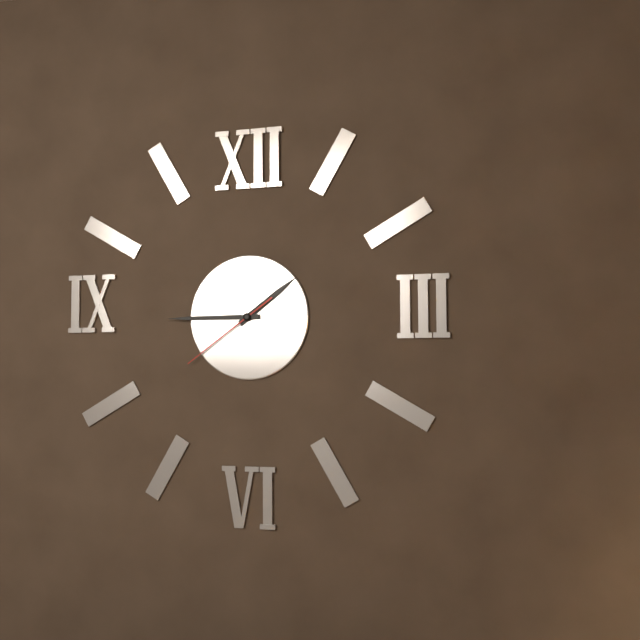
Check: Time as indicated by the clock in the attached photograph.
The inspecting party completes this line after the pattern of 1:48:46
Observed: 1:45:39
